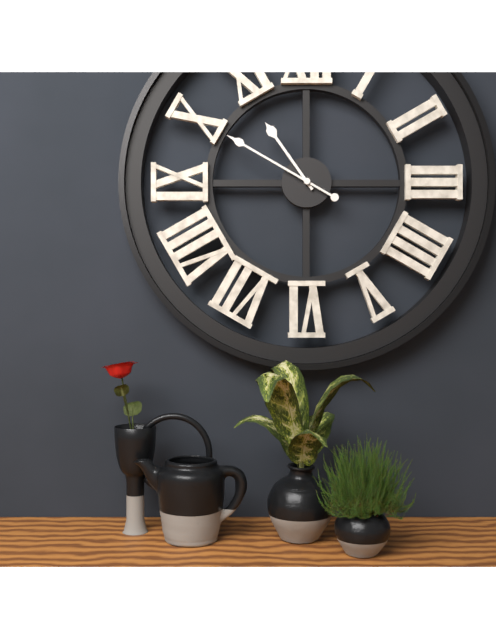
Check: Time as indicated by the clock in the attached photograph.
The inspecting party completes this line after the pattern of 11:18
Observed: 10:50
